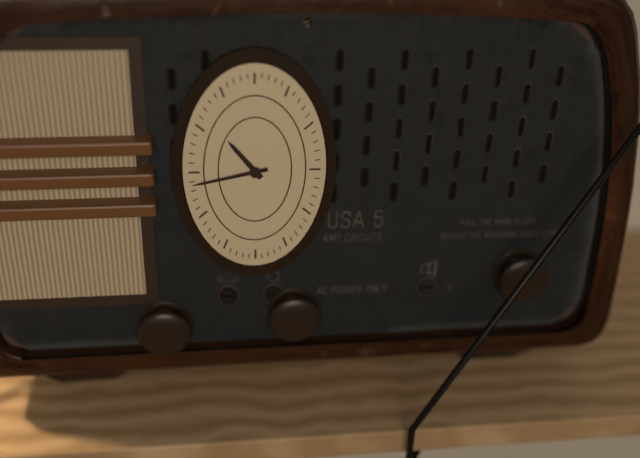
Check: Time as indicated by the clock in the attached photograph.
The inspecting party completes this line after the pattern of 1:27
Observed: 10:43
